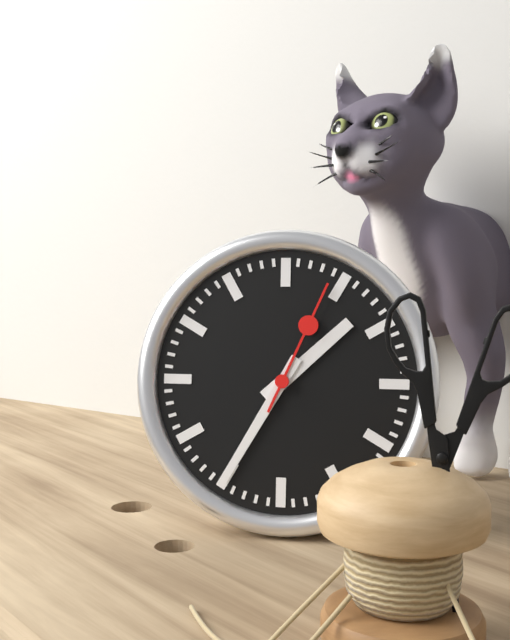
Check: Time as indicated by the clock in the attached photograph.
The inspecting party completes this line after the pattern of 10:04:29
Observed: 1:35:04
